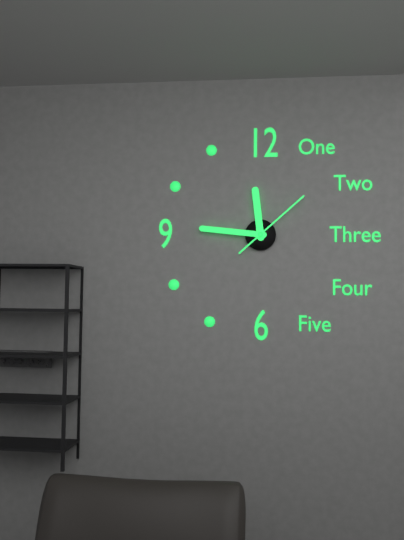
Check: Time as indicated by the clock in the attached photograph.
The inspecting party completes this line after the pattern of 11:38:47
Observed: 11:46:08
